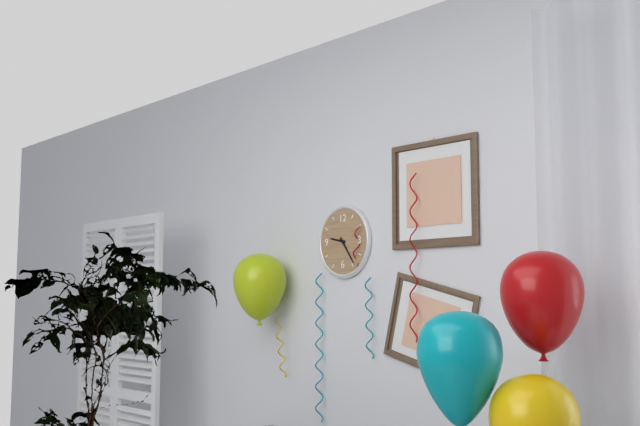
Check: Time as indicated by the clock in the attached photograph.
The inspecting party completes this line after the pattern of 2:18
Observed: 9:24
